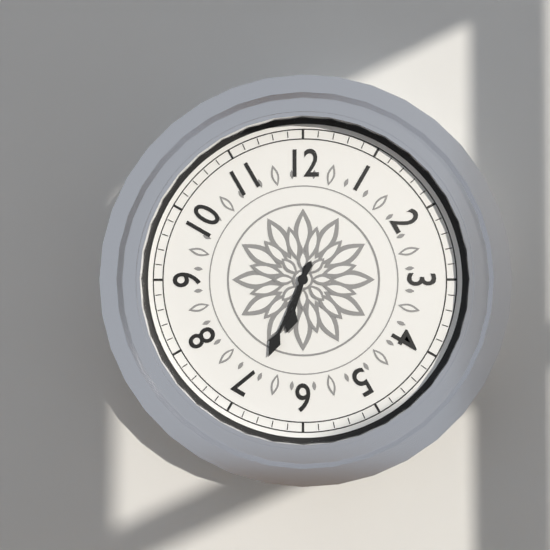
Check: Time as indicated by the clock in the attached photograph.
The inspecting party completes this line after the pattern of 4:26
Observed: 6:34
